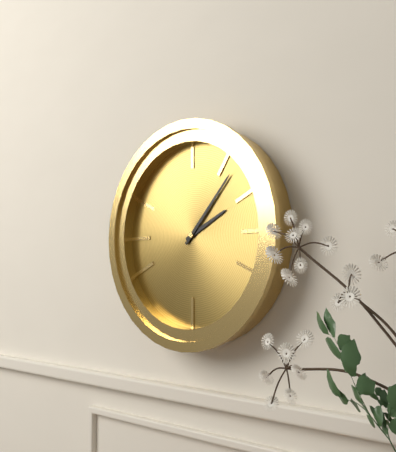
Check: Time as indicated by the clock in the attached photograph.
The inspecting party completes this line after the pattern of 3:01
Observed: 2:07
